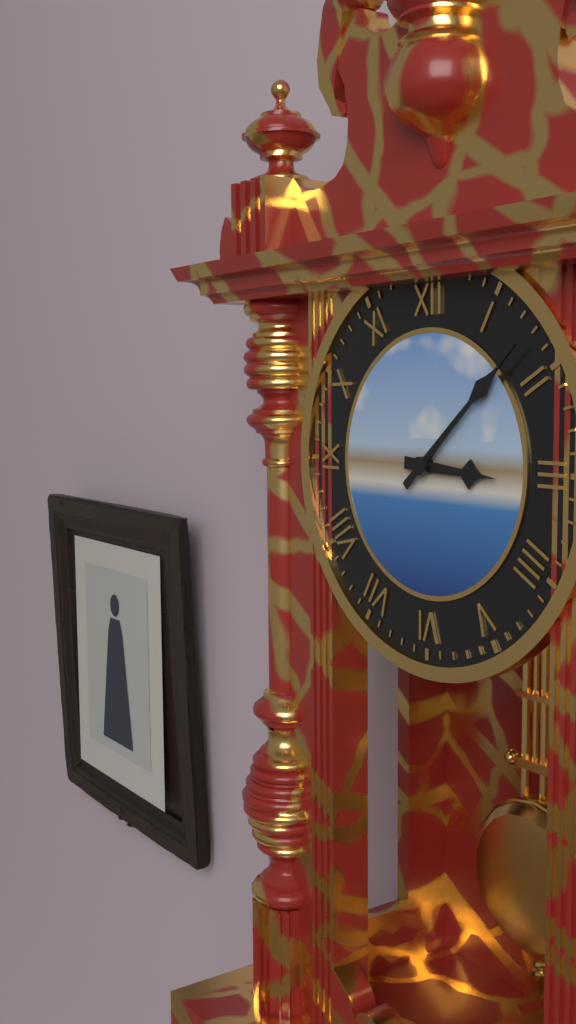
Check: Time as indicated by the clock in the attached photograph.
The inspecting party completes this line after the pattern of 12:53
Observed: 3:08
